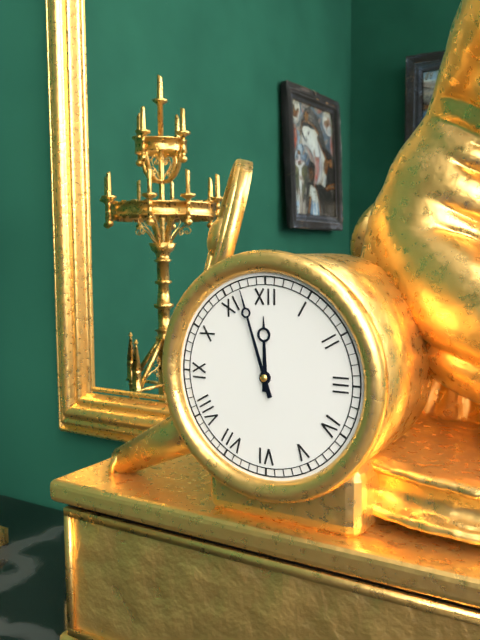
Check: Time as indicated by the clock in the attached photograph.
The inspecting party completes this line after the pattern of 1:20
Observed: 11:57
